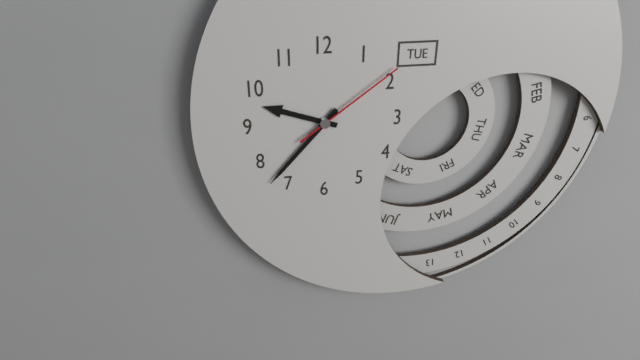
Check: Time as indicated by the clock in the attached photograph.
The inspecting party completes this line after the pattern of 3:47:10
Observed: 9:37:09
